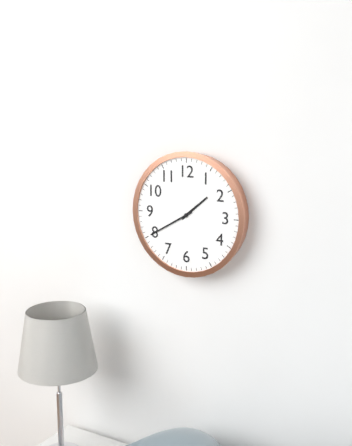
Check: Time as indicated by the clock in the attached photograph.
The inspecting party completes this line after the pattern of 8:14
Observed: 1:40
